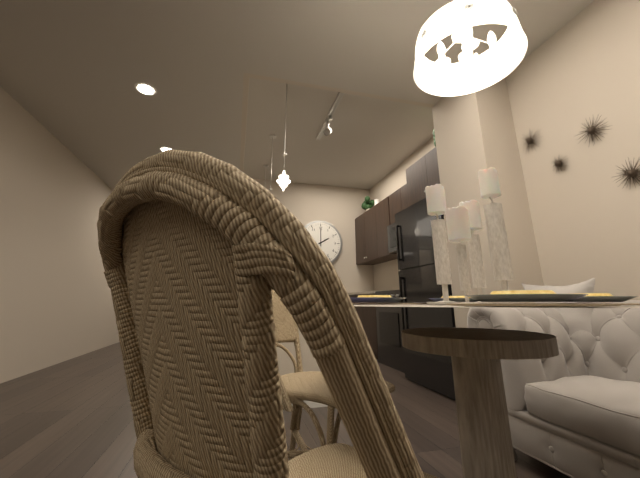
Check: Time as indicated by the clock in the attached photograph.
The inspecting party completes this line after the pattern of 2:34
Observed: 2:00
